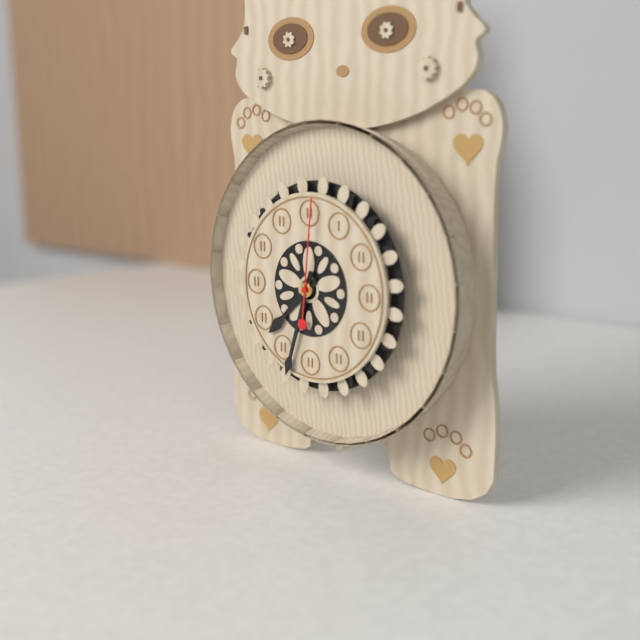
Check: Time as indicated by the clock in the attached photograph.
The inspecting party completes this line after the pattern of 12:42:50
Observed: 7:33:01
